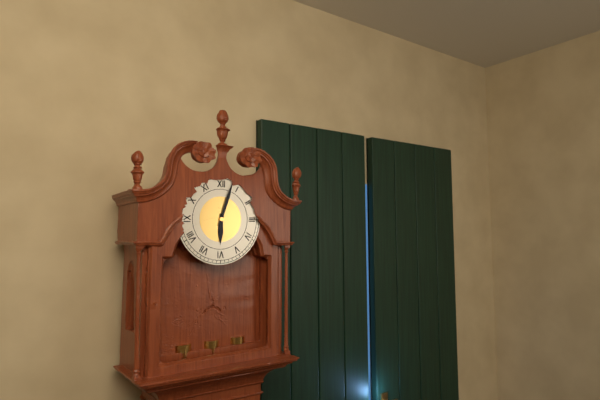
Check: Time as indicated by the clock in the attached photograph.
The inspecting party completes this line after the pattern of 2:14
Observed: 6:03
